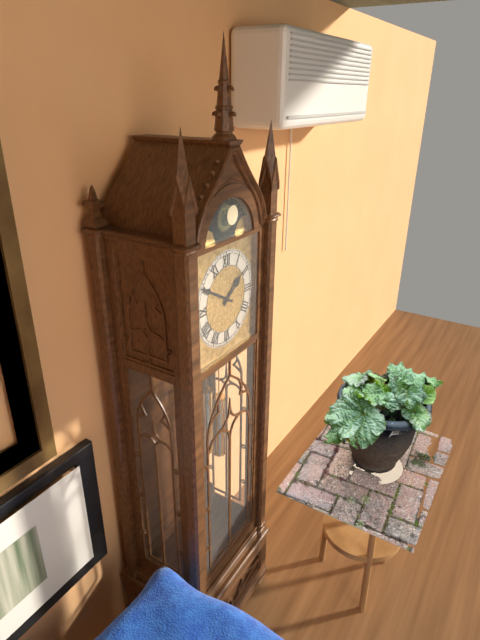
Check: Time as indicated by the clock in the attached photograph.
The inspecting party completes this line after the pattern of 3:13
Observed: 1:50
